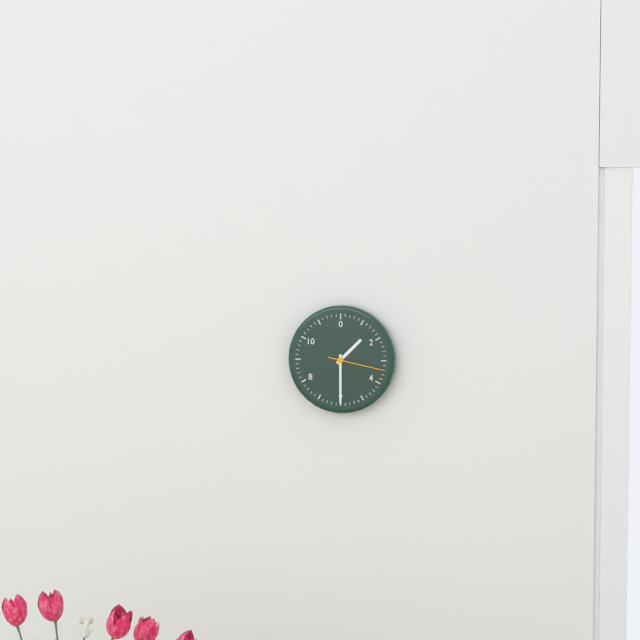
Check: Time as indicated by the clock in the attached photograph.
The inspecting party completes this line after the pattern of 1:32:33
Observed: 1:30:17
